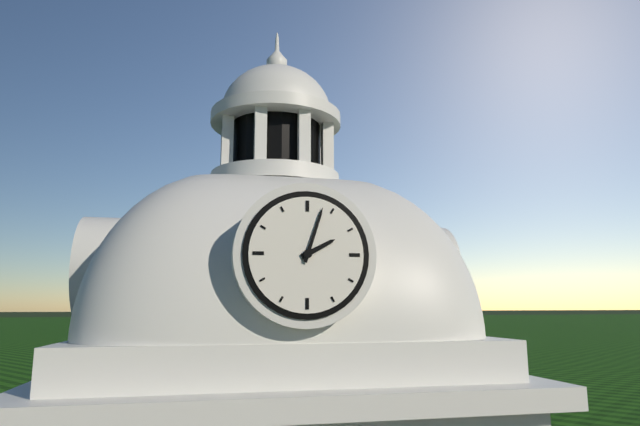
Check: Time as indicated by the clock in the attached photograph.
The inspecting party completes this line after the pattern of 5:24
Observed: 2:03
